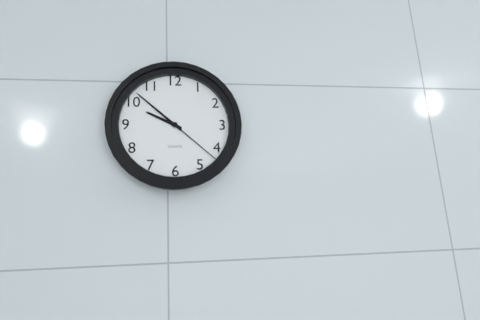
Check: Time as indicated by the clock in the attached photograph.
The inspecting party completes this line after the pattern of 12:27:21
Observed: 9:52:22
